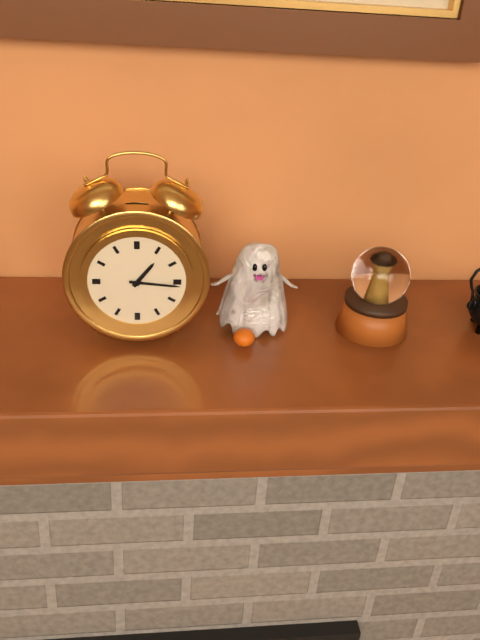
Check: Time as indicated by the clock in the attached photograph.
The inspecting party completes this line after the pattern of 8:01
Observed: 1:16
